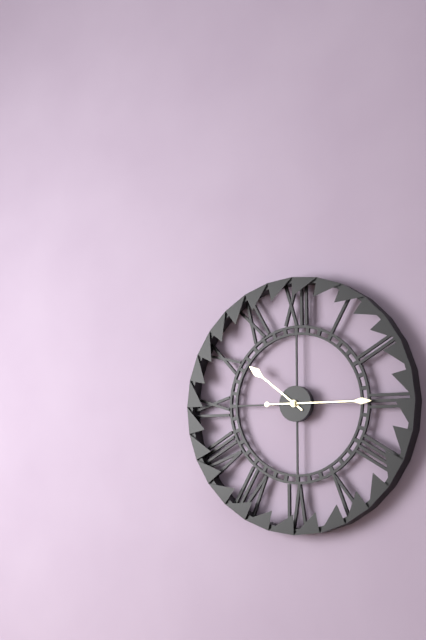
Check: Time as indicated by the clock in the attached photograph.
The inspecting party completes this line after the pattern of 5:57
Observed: 10:15
